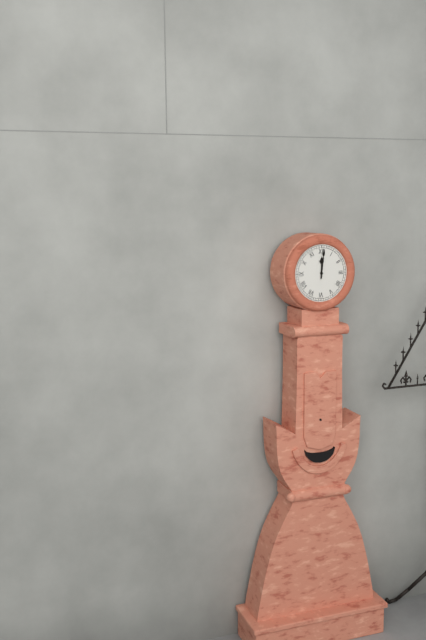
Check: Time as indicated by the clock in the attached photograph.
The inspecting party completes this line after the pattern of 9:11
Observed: 12:01
